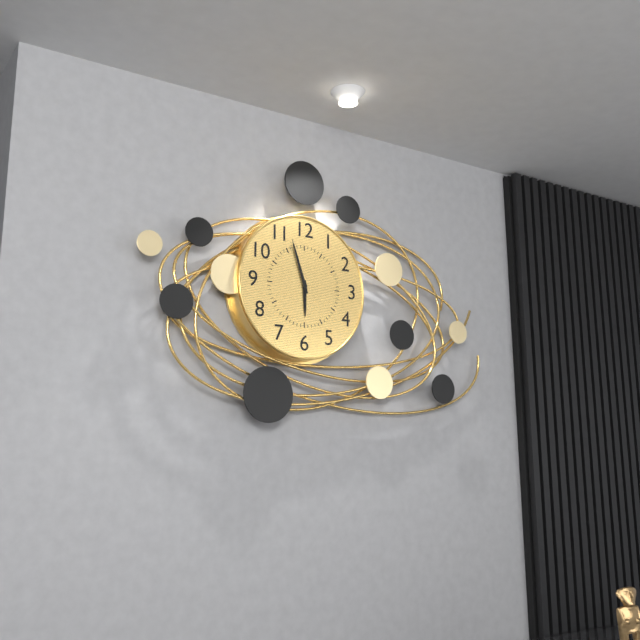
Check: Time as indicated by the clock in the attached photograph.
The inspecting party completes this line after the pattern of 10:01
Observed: 5:57
